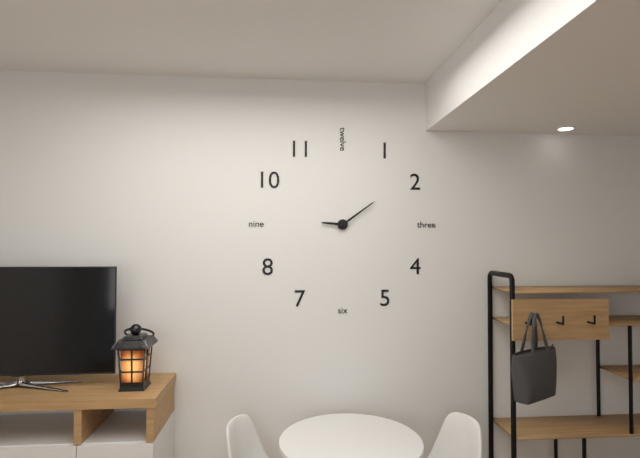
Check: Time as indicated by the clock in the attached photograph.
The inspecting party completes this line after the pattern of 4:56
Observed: 9:09
